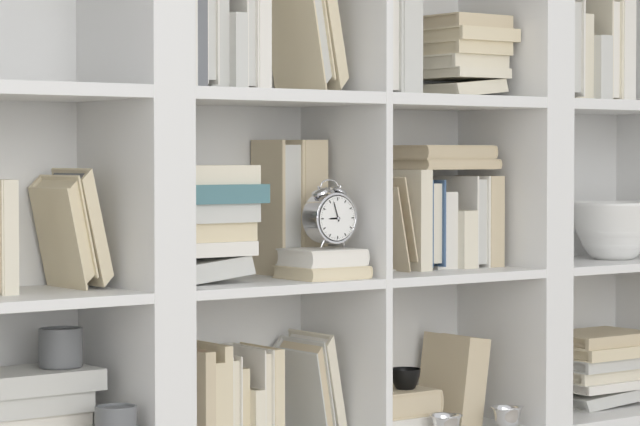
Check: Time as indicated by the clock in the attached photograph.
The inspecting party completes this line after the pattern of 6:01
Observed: 8:57
